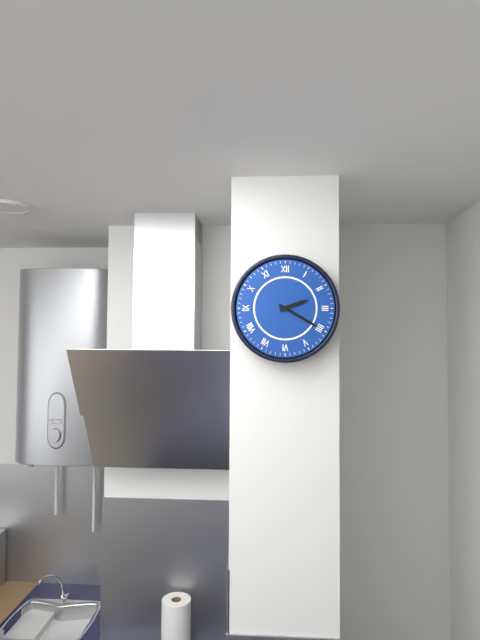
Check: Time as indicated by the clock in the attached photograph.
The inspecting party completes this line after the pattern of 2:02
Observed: 2:20
